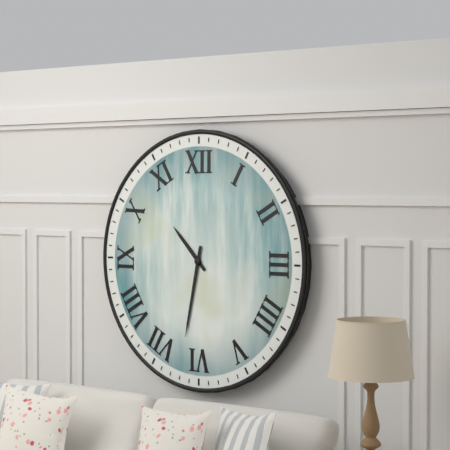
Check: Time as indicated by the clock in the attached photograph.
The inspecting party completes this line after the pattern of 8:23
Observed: 10:32
